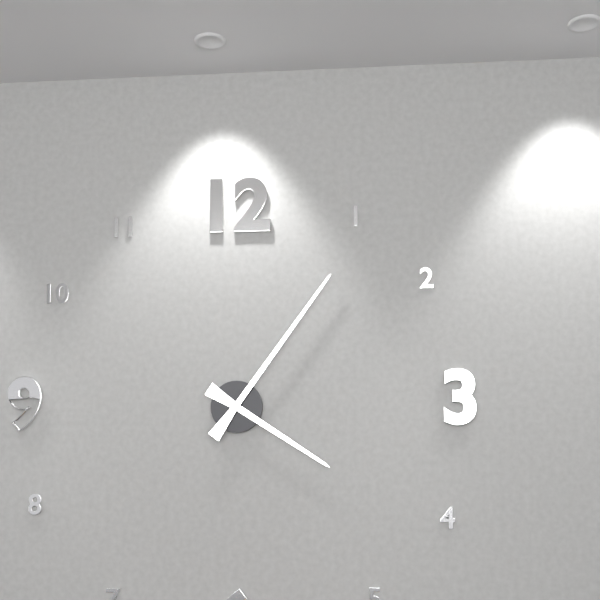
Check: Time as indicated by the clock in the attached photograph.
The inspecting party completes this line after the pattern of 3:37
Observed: 4:06
